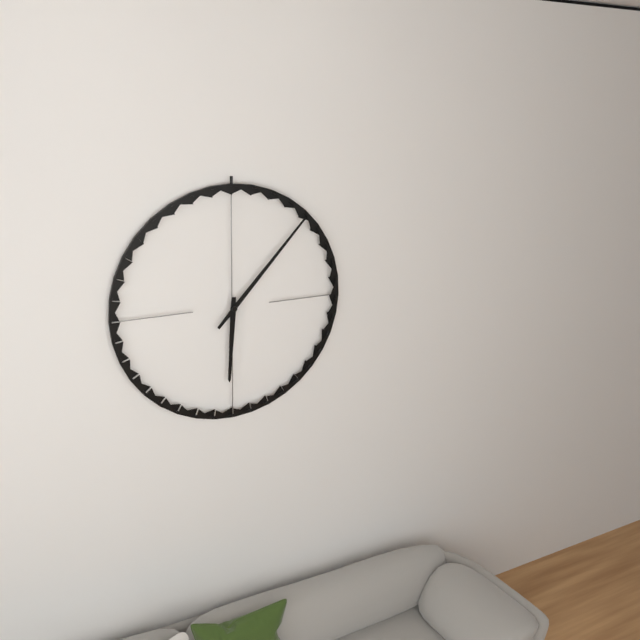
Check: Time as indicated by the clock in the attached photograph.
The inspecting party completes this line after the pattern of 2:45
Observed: 6:07
